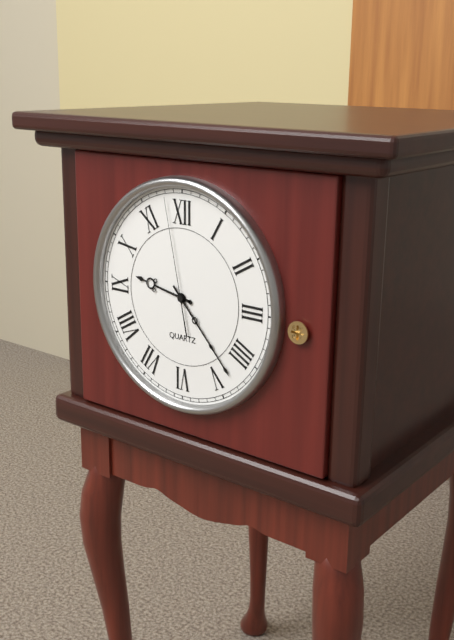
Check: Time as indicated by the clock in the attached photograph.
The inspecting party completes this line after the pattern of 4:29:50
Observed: 9:23:58
